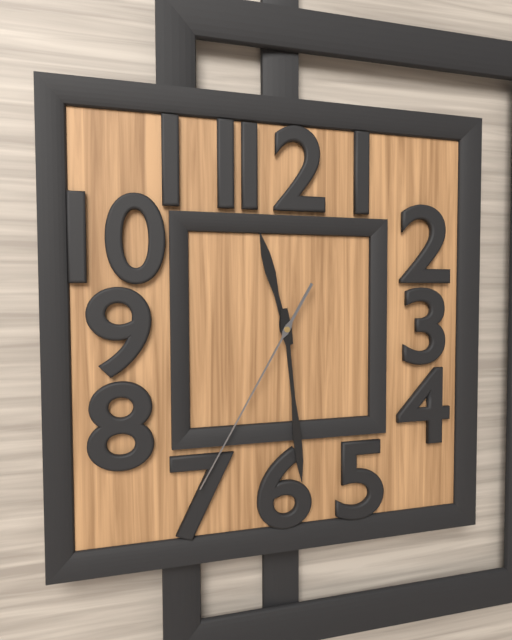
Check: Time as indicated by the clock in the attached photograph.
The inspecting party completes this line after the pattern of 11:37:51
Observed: 11:29:35
